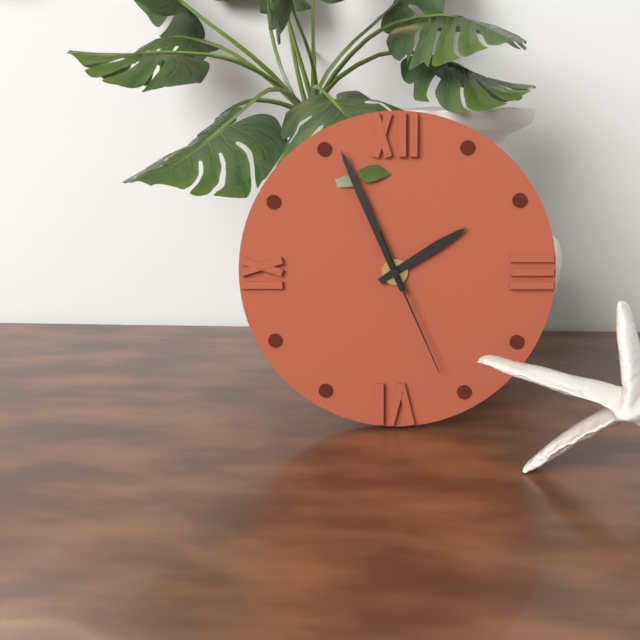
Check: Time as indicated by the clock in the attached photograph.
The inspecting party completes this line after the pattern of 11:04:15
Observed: 1:56:26
